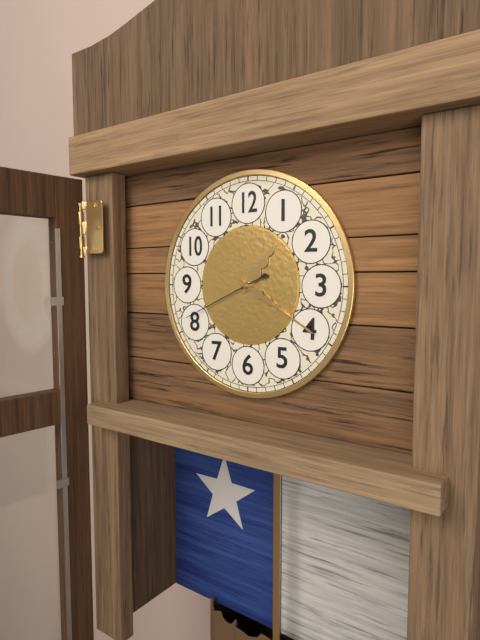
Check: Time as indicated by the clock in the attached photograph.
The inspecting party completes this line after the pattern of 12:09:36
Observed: 1:20:41
